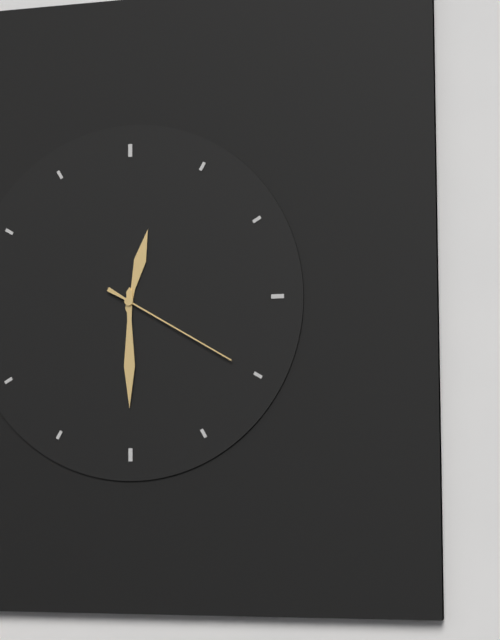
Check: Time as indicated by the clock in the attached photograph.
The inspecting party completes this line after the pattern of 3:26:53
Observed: 12:30:20
